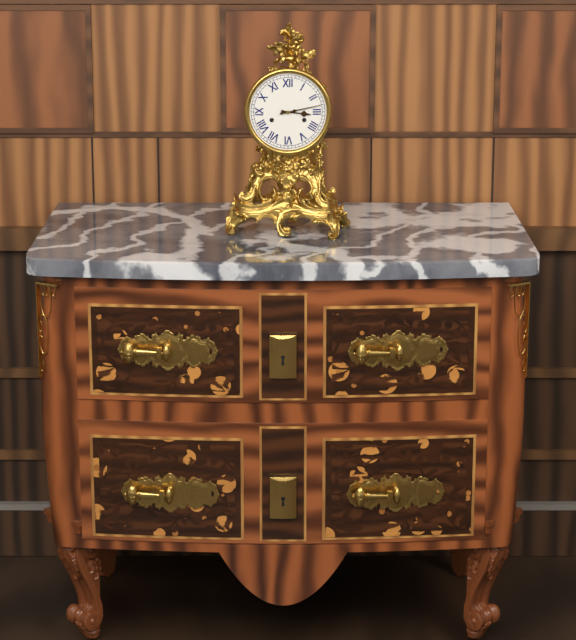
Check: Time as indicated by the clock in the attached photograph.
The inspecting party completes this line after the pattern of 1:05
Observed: 3:13
